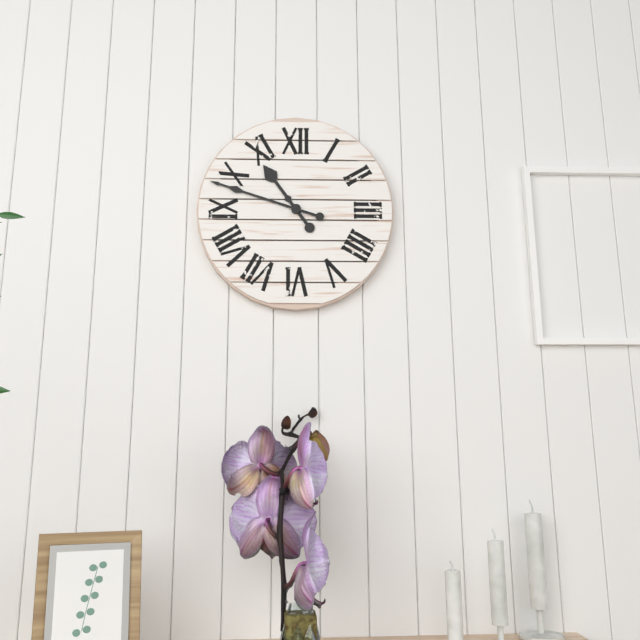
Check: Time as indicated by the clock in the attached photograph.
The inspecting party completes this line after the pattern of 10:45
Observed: 10:48
